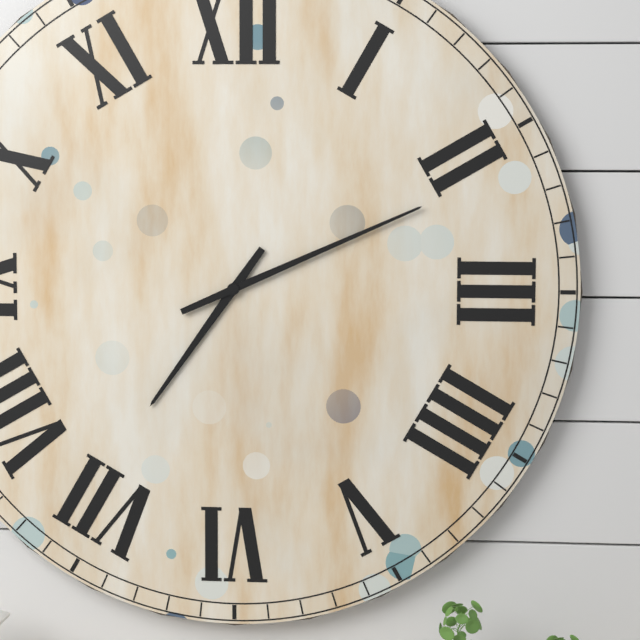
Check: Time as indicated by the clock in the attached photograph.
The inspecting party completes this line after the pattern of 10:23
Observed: 7:11
